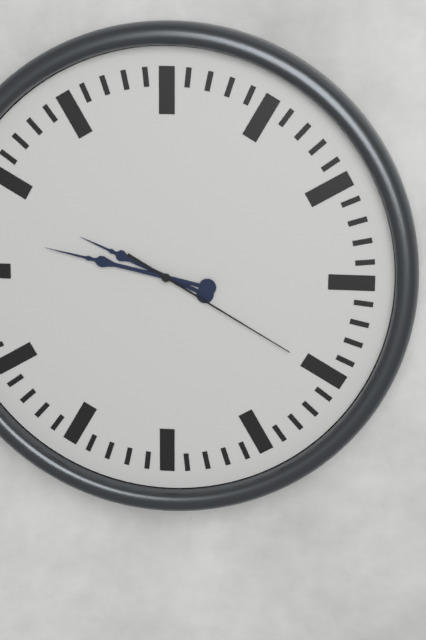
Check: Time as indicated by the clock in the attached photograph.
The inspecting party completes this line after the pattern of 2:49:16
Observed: 9:47:20
